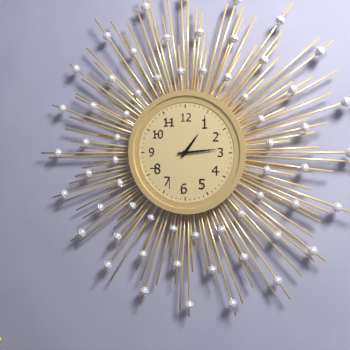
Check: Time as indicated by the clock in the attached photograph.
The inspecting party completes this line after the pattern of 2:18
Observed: 1:14
